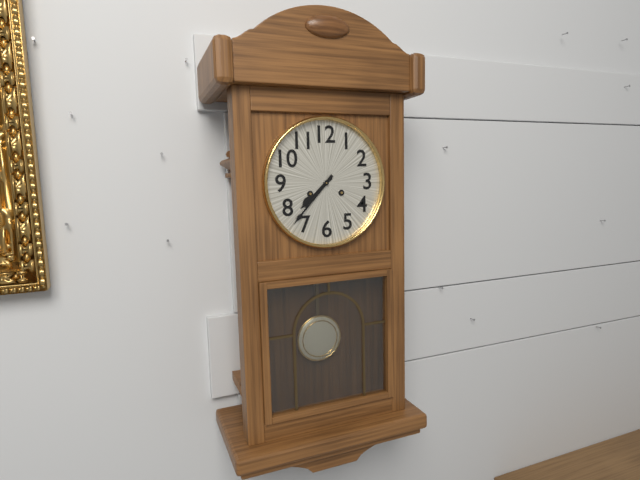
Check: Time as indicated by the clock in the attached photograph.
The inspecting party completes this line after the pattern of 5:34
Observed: 7:37
